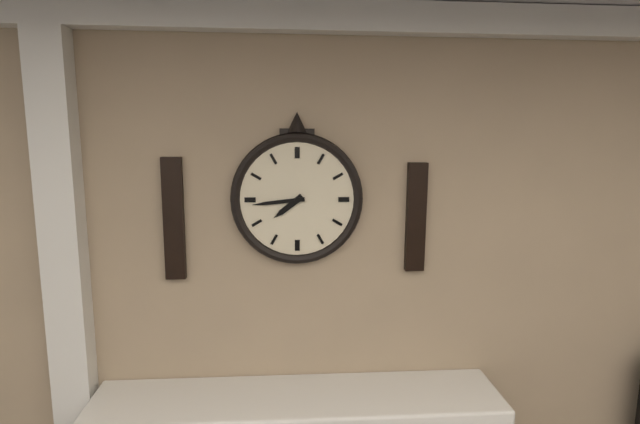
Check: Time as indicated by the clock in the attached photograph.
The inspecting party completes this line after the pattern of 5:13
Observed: 7:44
